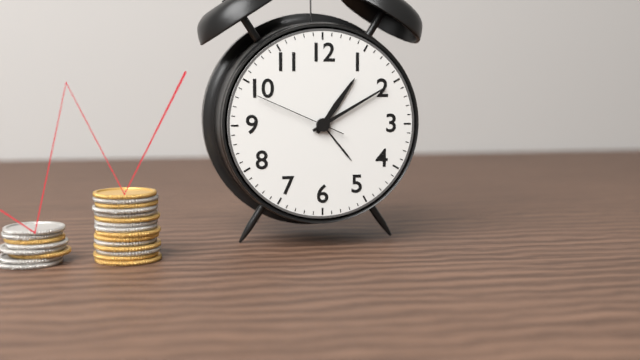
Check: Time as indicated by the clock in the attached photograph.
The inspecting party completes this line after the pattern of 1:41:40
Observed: 1:10:49
